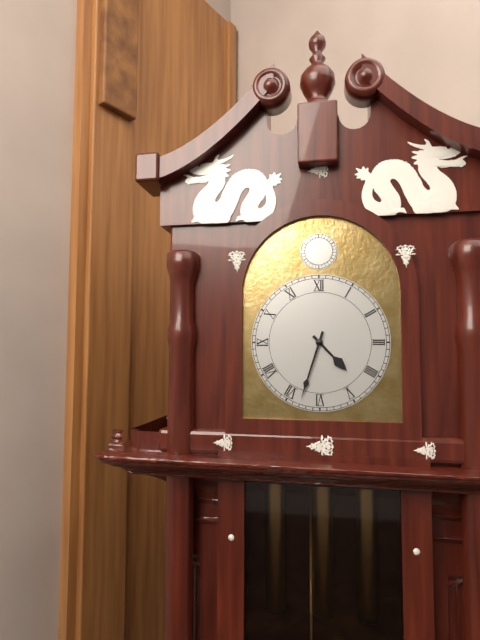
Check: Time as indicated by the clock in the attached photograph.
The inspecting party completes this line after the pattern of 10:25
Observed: 4:33
